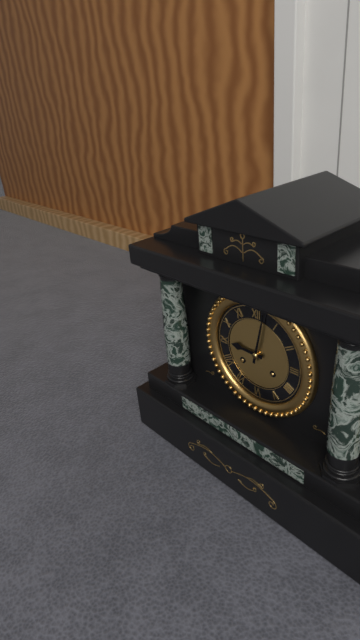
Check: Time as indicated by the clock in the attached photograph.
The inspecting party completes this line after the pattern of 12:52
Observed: 9:02
